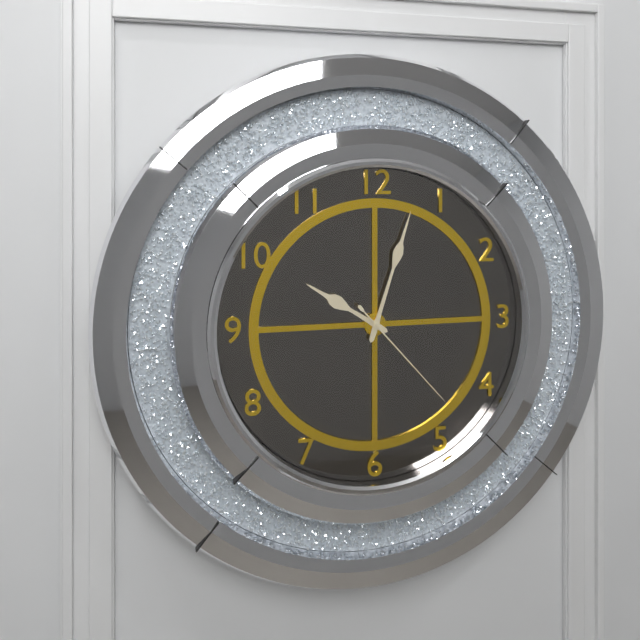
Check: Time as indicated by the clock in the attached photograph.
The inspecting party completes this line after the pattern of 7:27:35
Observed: 10:03:23
